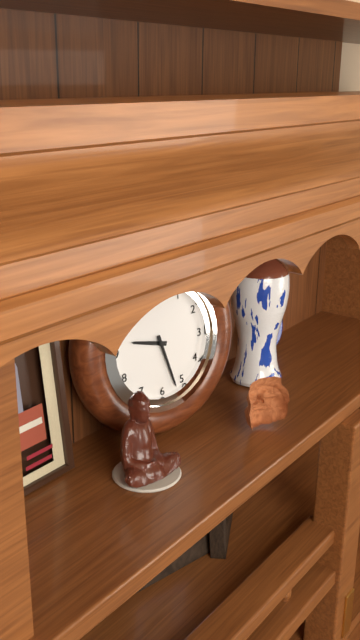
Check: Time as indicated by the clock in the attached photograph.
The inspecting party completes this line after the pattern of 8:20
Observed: 9:27
